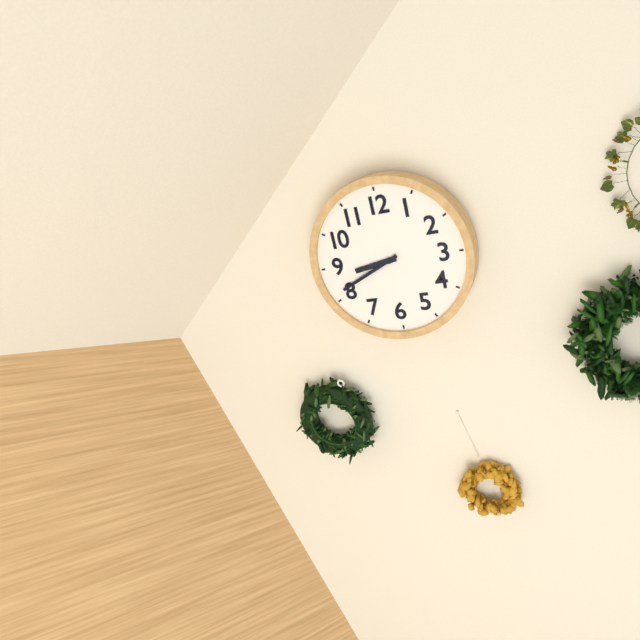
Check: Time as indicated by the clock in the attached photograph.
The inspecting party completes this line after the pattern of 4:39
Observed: 8:41
